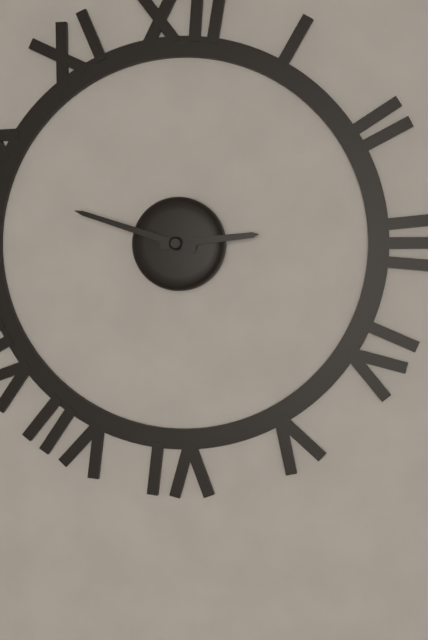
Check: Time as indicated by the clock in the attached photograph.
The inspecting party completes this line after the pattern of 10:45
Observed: 2:48
